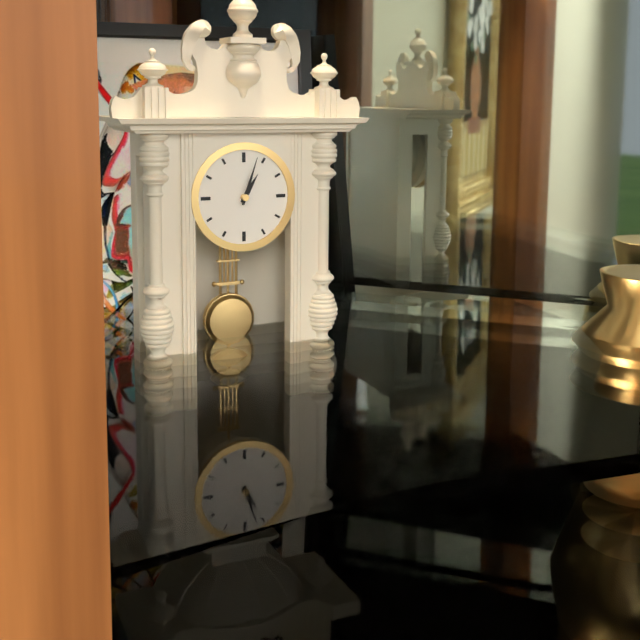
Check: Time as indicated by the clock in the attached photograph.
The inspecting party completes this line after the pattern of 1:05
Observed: 1:03
